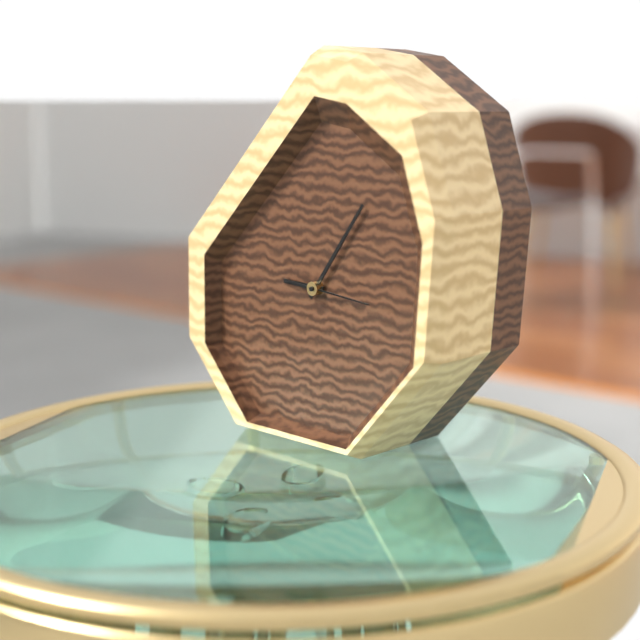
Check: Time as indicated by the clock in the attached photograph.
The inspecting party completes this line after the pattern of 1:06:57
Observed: 9:06:16
